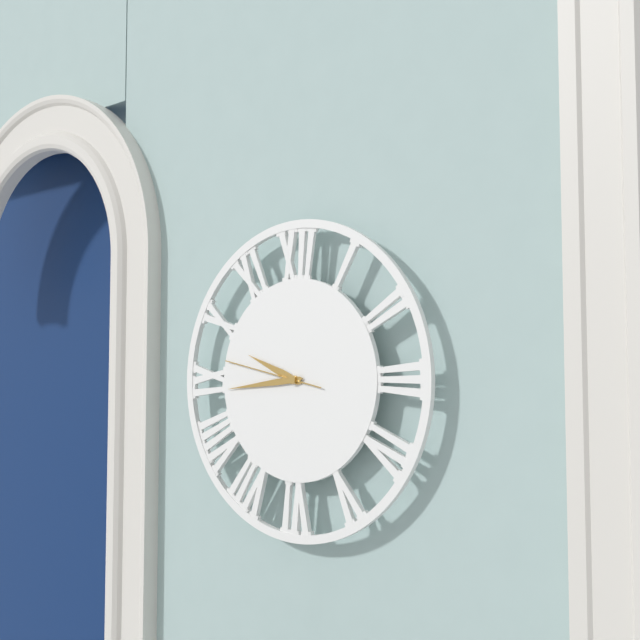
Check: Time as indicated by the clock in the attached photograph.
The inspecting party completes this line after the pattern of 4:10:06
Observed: 9:44:47
